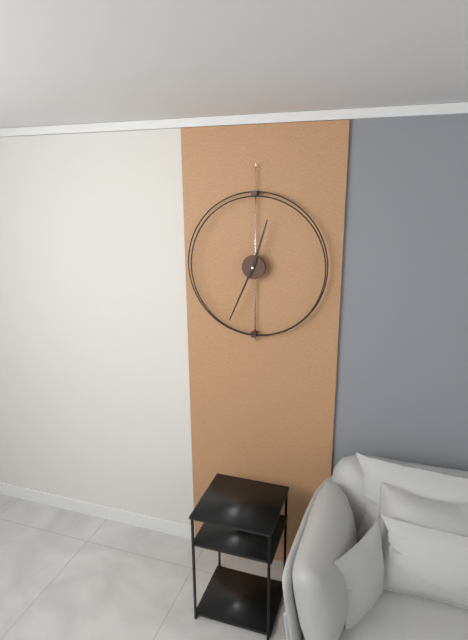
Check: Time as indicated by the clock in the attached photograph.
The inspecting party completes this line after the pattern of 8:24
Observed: 12:34
